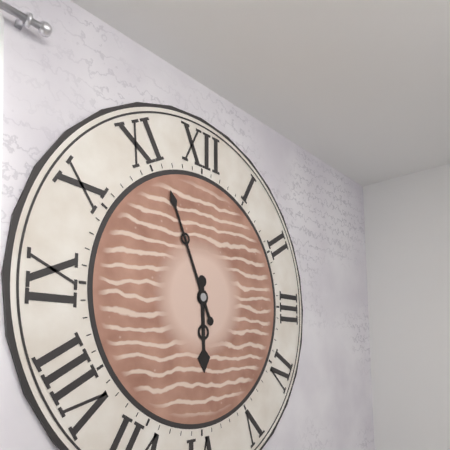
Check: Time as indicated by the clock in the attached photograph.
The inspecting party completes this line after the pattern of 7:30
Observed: 5:56
